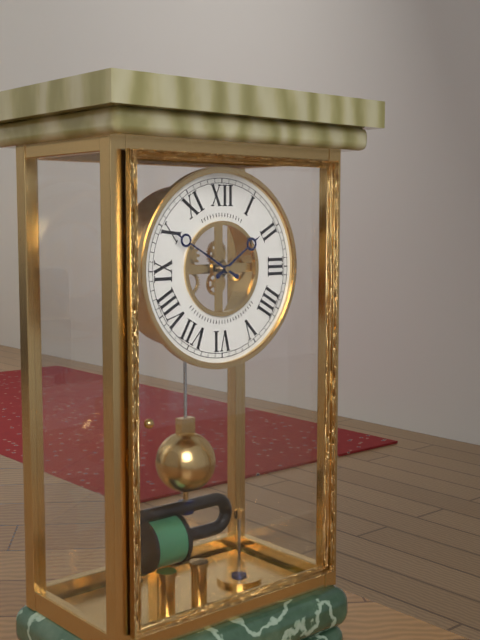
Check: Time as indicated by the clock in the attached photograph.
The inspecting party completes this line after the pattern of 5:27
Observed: 1:50
